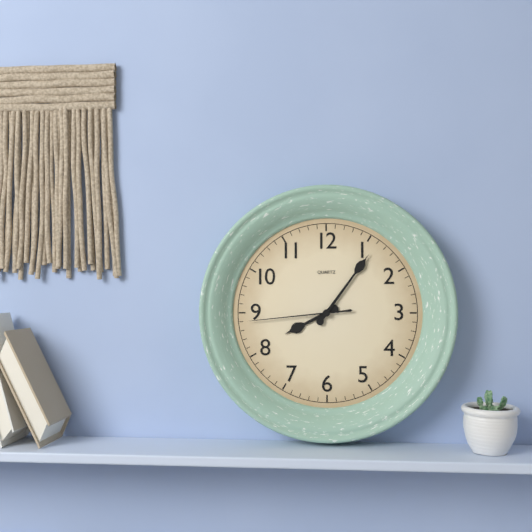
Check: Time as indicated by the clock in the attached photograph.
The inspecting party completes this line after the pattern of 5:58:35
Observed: 8:06:44
